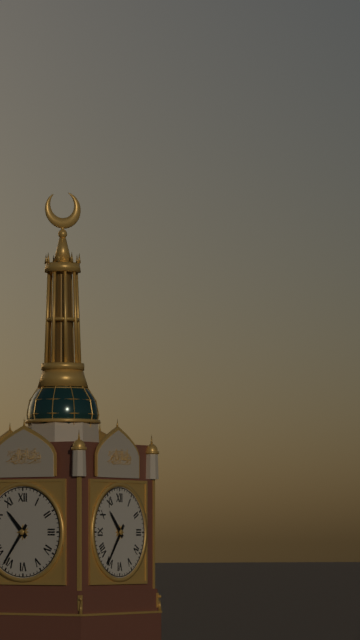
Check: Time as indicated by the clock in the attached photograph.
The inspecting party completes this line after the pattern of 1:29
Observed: 10:36
